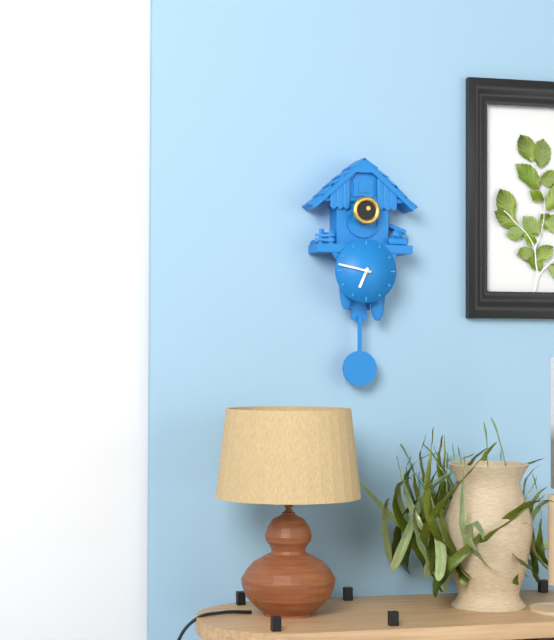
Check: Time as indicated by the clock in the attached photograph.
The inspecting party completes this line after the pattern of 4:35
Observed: 6:47
